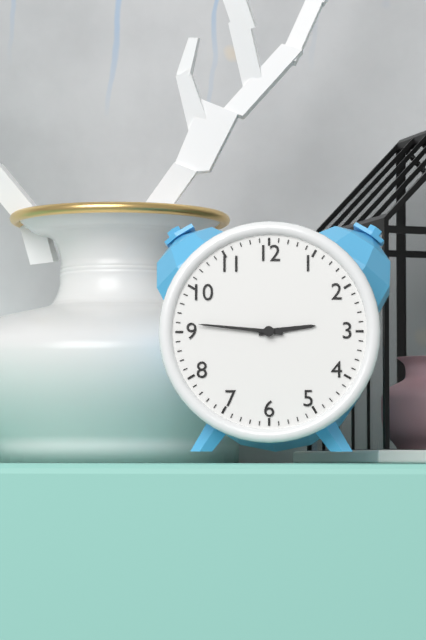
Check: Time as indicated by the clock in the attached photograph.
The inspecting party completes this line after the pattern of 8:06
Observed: 2:46
